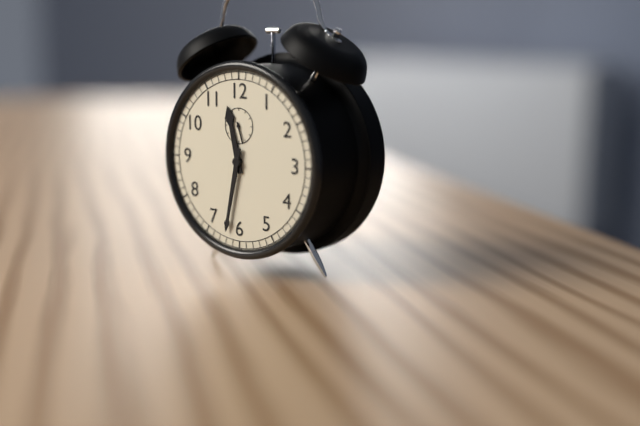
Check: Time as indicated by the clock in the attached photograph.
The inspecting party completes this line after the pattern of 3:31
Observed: 11:32
